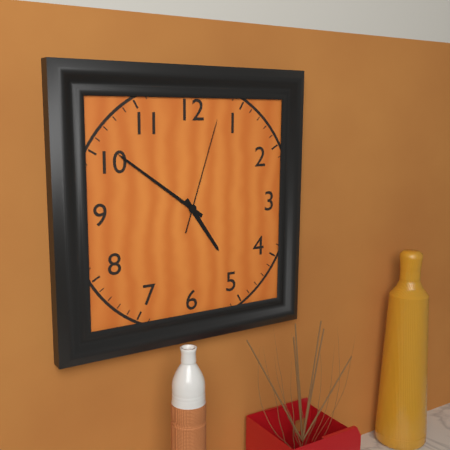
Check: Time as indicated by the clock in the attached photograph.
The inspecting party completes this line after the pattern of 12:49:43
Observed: 4:51:03
